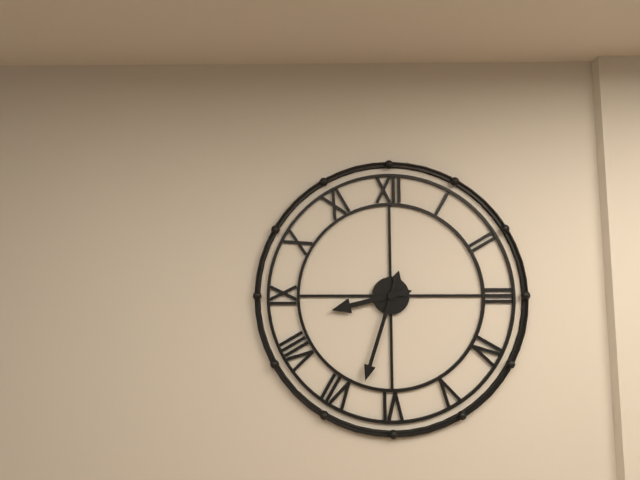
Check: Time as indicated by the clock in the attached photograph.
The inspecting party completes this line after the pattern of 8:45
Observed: 8:33
